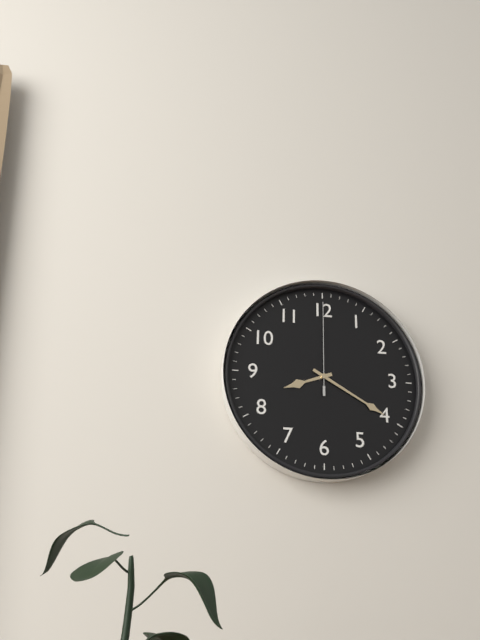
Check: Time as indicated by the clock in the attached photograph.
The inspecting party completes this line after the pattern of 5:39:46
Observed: 8:20:00
